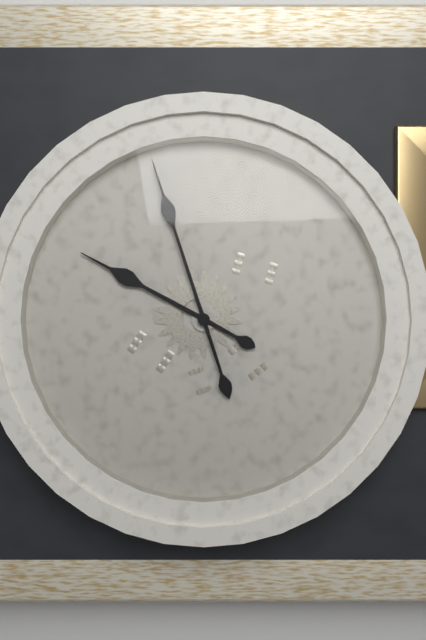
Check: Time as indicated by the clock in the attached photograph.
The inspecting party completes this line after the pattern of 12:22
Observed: 9:57
